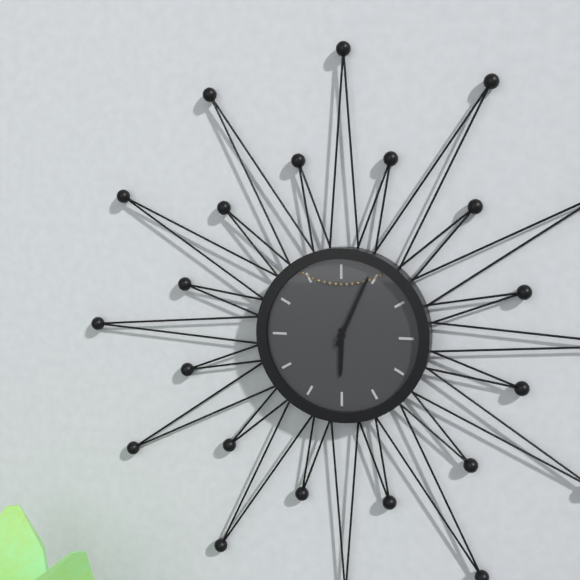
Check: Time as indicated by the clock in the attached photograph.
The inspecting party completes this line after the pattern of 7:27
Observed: 6:04
